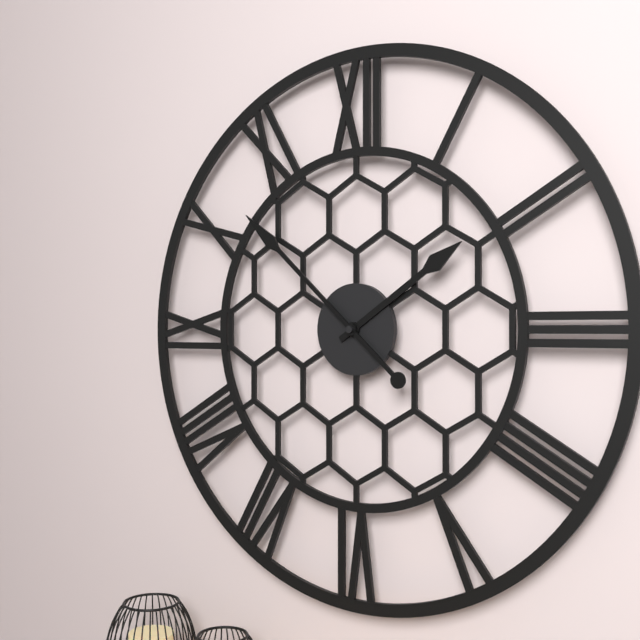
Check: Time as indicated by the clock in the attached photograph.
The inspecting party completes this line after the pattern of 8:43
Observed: 1:52
